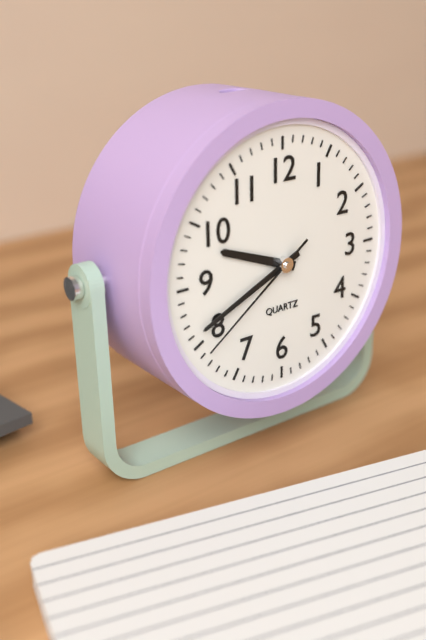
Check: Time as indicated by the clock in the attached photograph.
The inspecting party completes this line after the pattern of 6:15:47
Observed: 9:41:39
